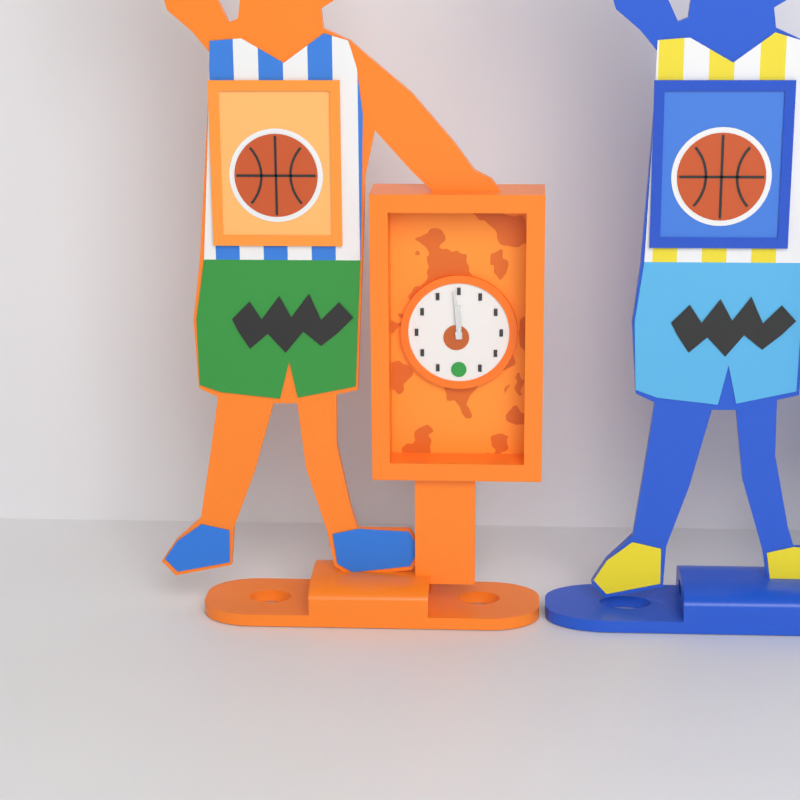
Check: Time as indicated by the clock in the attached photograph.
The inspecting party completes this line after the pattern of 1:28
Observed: 11:59
